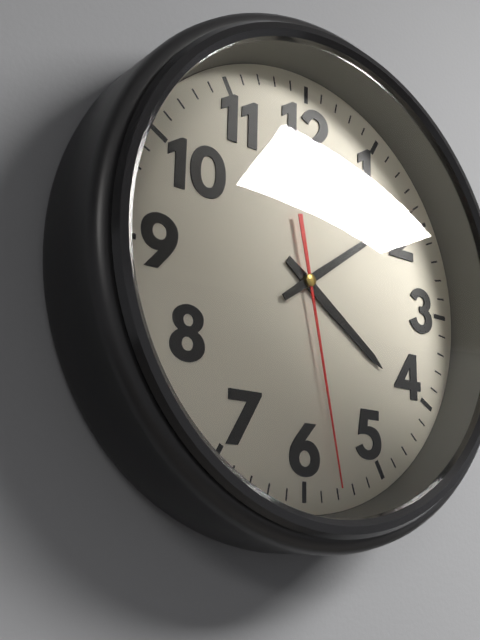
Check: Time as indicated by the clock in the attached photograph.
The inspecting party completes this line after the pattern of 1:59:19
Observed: 4:09:28
